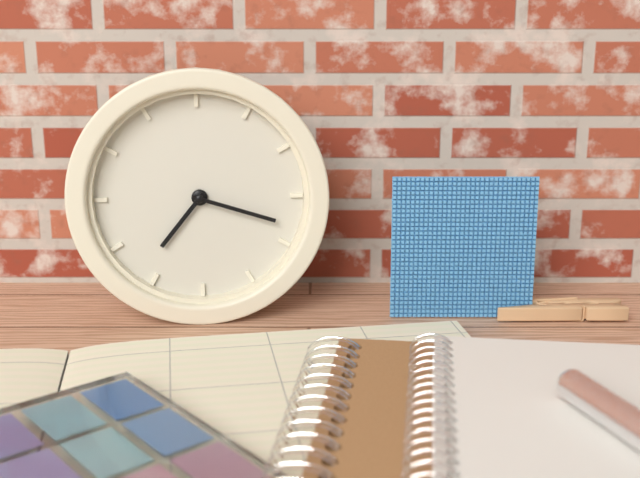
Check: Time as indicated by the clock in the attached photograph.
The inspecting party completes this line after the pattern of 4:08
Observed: 7:18
